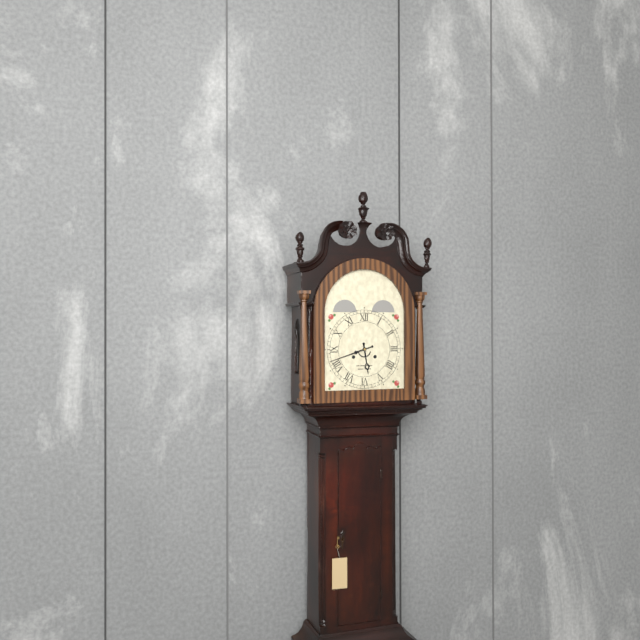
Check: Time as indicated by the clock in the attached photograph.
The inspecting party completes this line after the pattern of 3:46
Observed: 5:42
